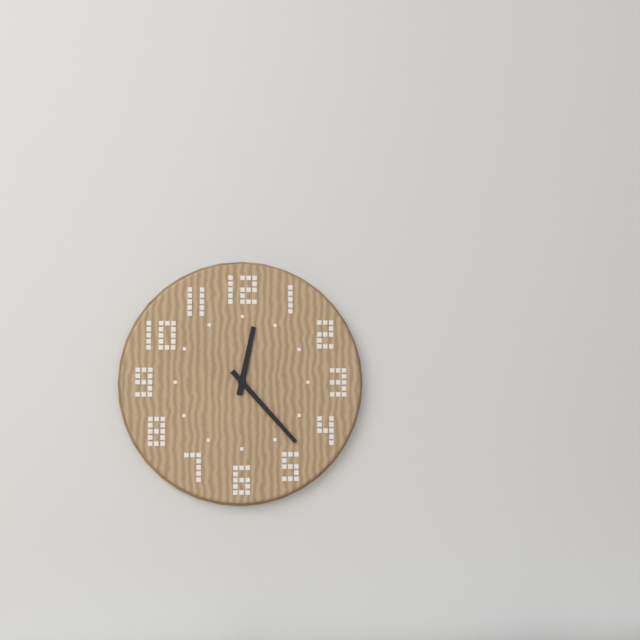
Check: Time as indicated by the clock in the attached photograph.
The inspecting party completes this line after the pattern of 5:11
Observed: 12:23
